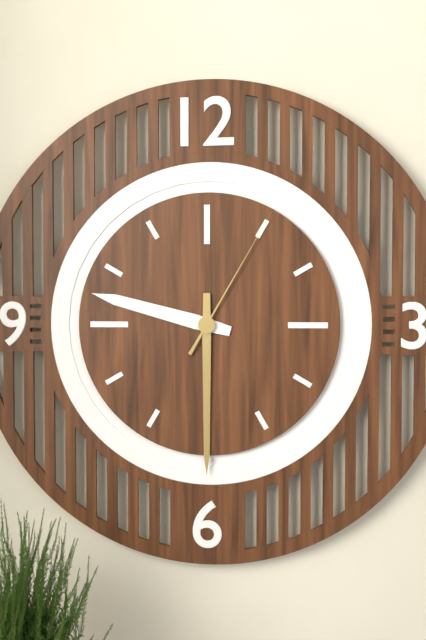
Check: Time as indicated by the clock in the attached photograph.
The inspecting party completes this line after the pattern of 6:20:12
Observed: 9:30:05
